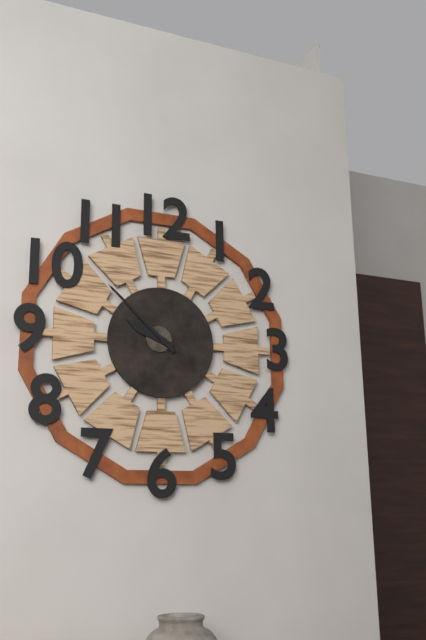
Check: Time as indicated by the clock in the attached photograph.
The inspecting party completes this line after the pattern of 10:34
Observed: 9:52
